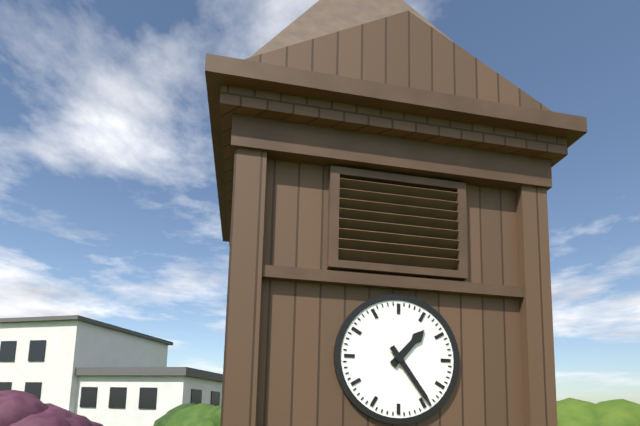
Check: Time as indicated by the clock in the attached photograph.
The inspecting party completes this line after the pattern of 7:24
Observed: 1:24
